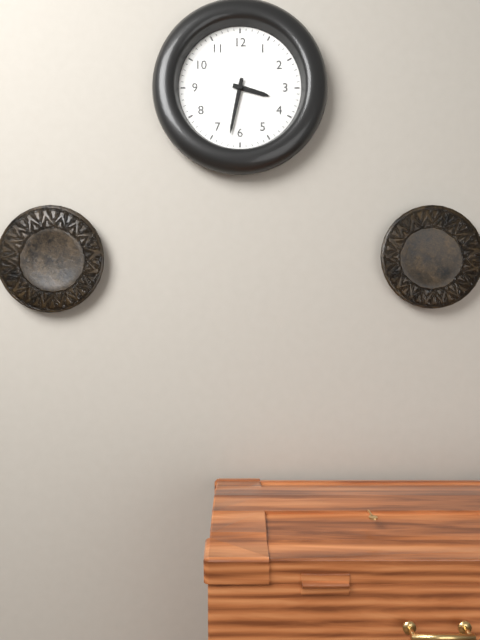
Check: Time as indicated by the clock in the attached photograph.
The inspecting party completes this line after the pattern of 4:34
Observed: 3:32
